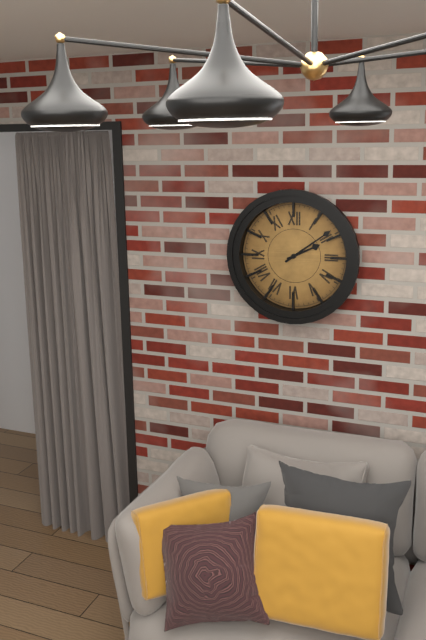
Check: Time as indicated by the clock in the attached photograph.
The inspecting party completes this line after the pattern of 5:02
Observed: 2:09
